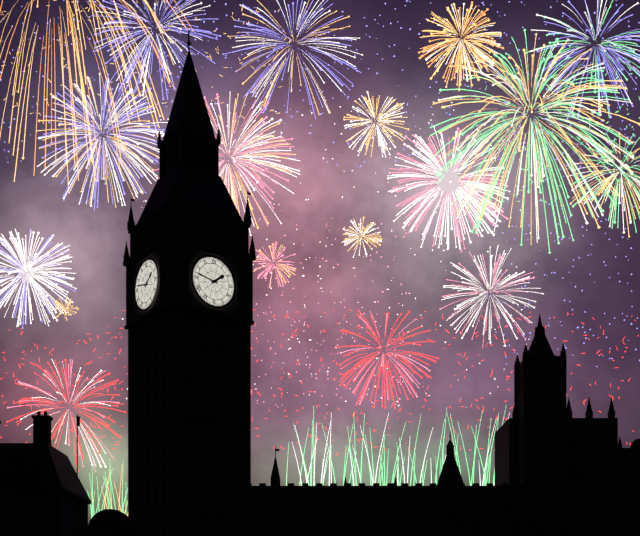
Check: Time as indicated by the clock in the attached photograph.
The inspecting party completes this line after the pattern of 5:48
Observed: 1:47
